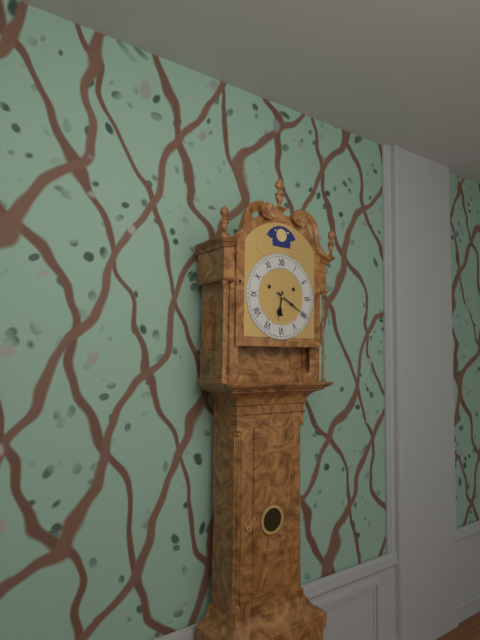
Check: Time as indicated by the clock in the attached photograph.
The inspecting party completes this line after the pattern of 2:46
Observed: 6:20
